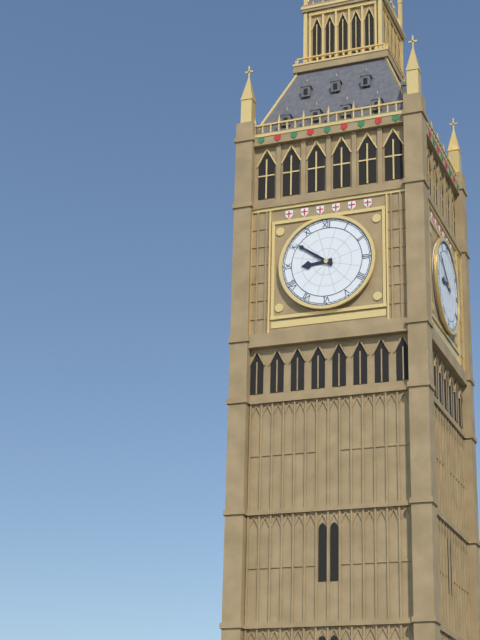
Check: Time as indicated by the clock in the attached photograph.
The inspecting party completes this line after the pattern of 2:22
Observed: 8:51
